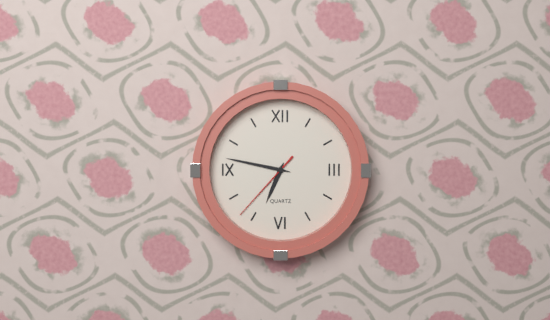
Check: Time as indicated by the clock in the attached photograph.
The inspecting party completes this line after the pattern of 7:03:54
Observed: 6:47:37
